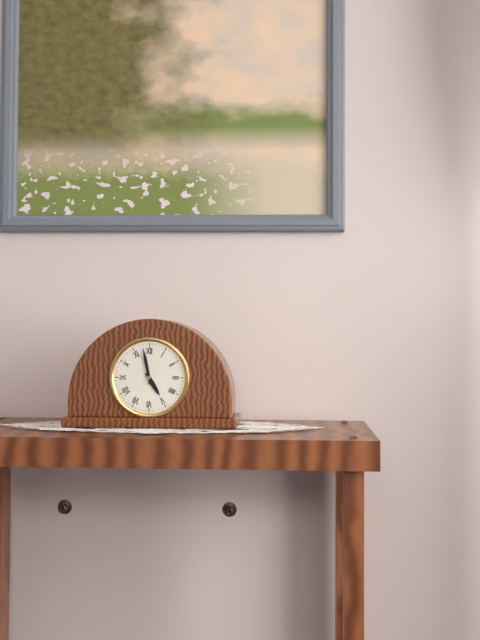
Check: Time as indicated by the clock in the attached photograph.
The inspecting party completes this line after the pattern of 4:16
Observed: 4:58
